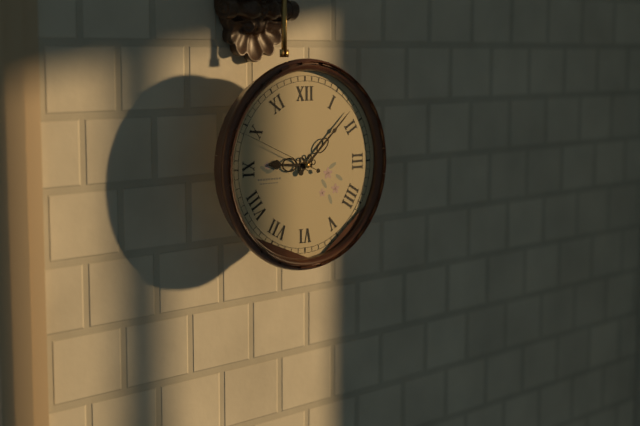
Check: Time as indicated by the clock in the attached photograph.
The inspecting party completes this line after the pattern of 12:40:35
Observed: 9:08:49
